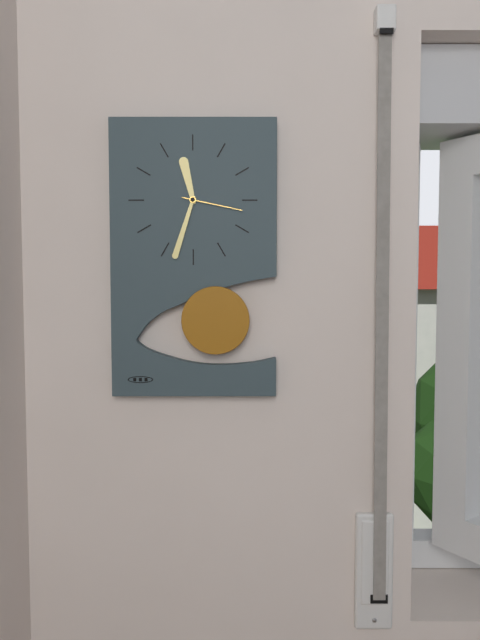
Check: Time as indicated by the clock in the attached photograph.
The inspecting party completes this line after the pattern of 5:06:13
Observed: 11:33:17
